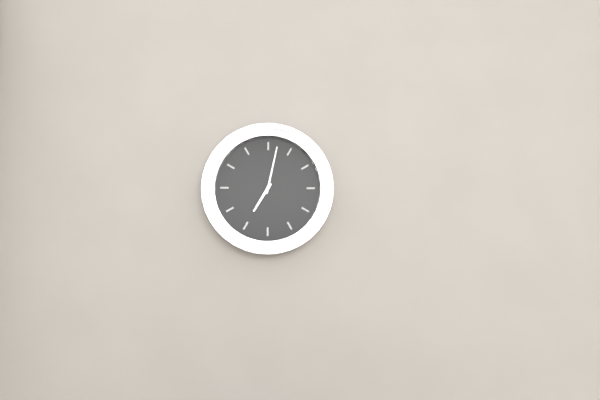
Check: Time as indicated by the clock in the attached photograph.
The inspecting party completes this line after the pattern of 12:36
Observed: 7:02
